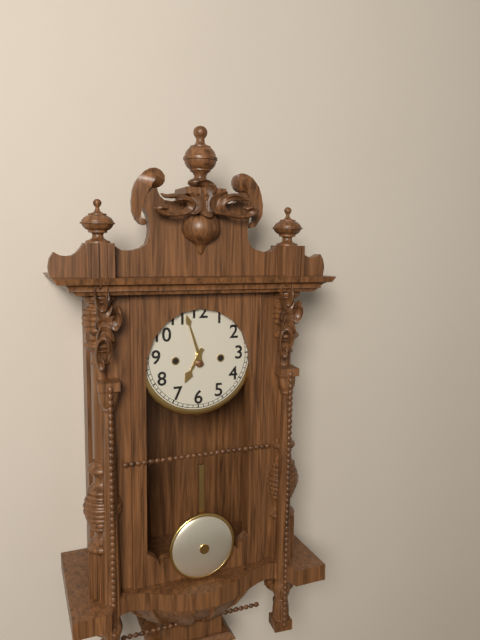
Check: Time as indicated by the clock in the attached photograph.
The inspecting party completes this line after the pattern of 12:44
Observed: 6:57
